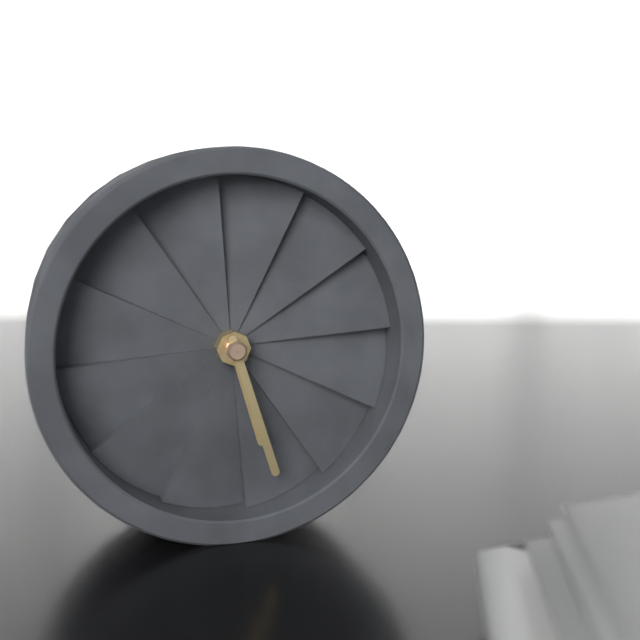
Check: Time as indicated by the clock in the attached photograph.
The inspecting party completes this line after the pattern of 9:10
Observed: 5:27
